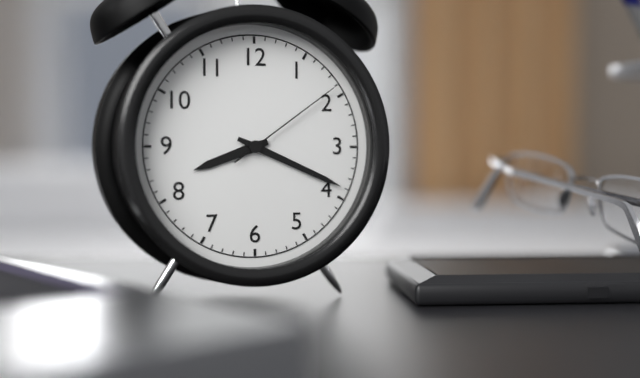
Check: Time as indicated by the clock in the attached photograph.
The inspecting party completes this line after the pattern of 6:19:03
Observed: 8:19:09
